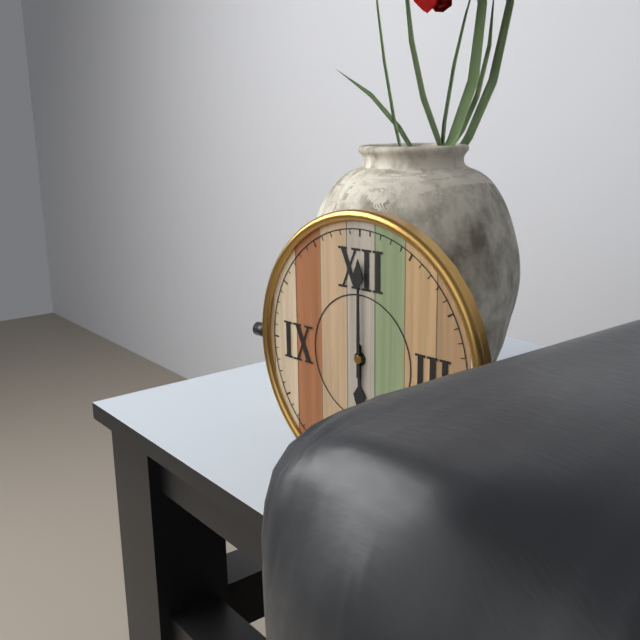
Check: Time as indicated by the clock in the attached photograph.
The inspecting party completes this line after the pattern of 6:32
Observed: 6:00
